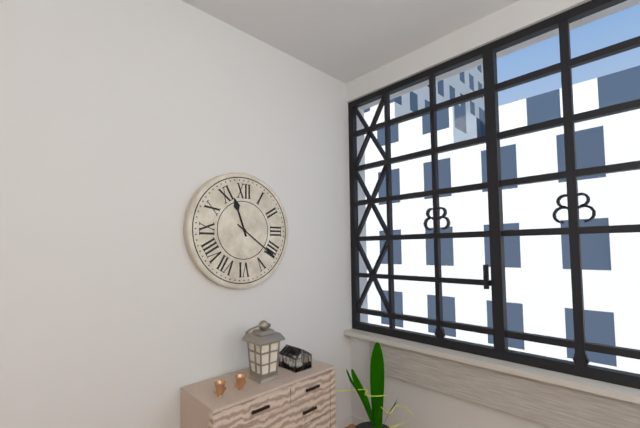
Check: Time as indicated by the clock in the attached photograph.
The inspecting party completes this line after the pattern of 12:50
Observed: 11:21
